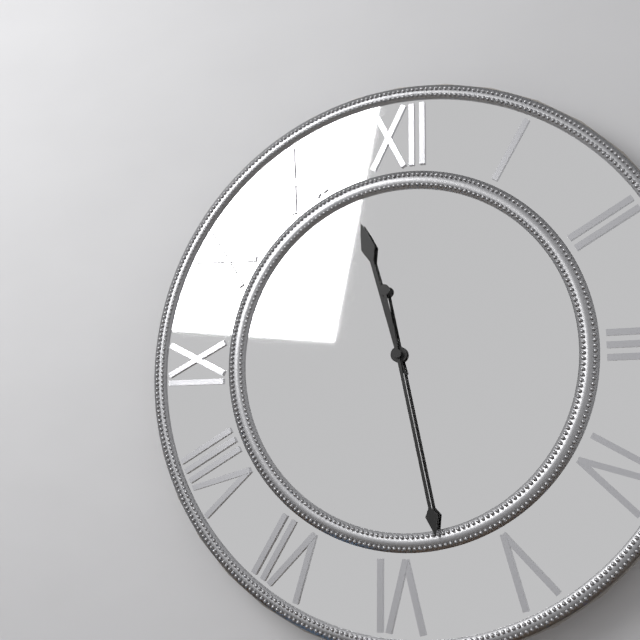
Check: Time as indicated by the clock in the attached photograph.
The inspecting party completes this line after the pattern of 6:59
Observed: 11:28
